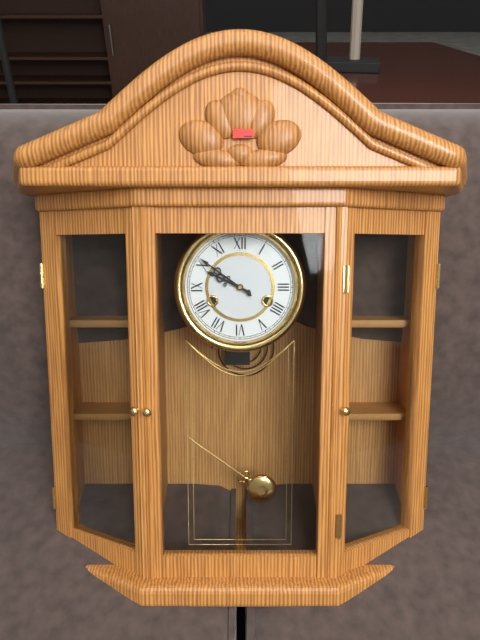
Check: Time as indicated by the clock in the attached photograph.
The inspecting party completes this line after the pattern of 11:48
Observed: 9:51
